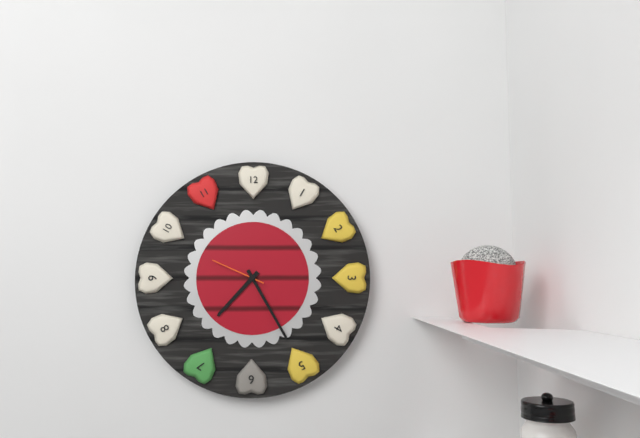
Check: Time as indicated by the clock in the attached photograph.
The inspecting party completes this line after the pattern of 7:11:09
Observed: 7:25:49
